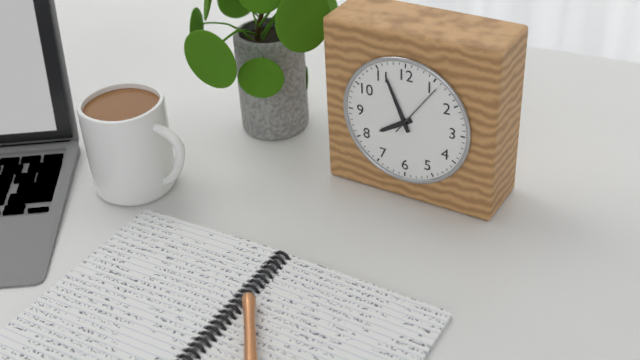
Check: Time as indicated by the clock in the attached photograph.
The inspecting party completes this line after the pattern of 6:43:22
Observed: 7:56:06
